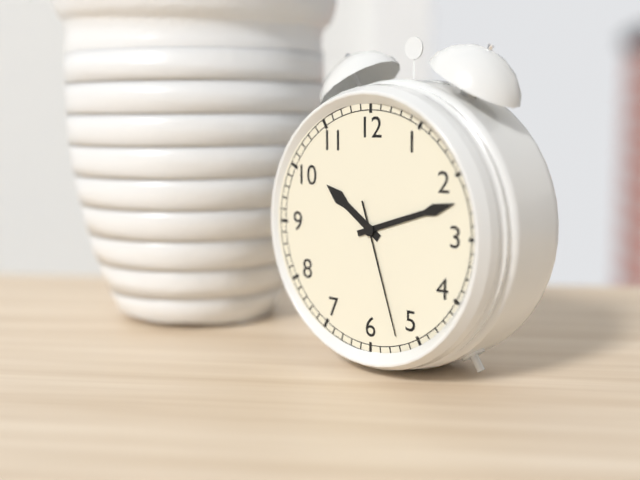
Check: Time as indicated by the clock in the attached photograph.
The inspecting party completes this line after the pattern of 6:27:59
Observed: 10:12:27
